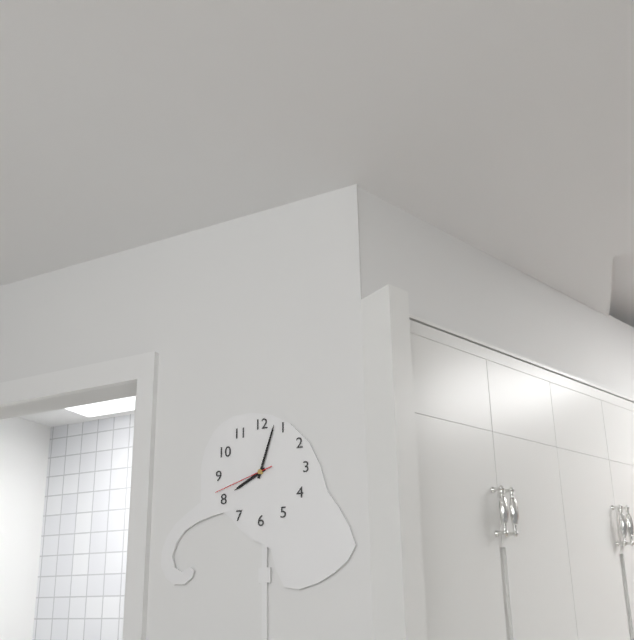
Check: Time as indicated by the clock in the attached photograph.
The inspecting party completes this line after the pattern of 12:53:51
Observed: 8:03:42
